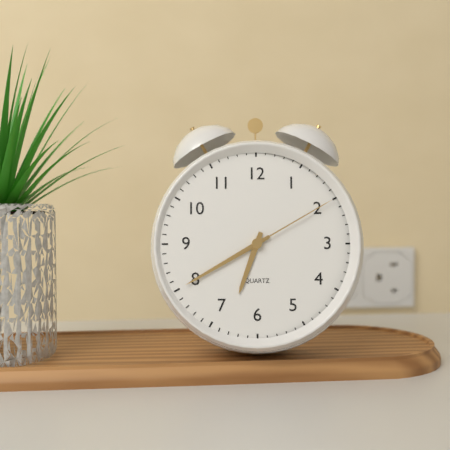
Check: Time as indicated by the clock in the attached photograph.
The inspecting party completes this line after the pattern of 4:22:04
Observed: 6:40:10
